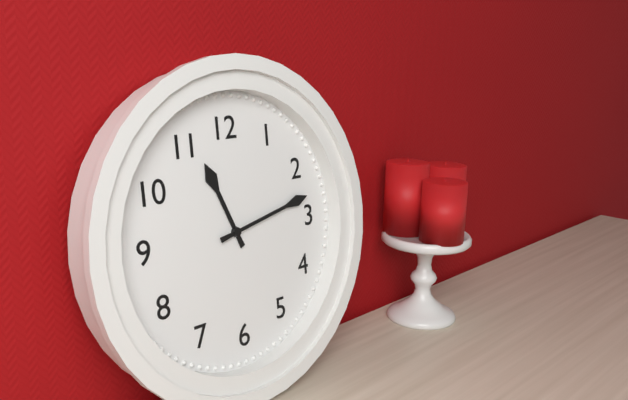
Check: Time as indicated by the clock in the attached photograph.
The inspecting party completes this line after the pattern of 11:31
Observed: 11:13
